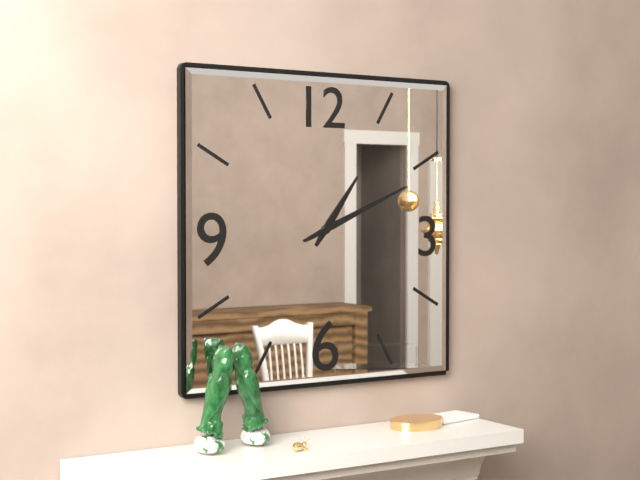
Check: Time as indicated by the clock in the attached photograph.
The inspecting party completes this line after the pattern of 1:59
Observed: 1:11
